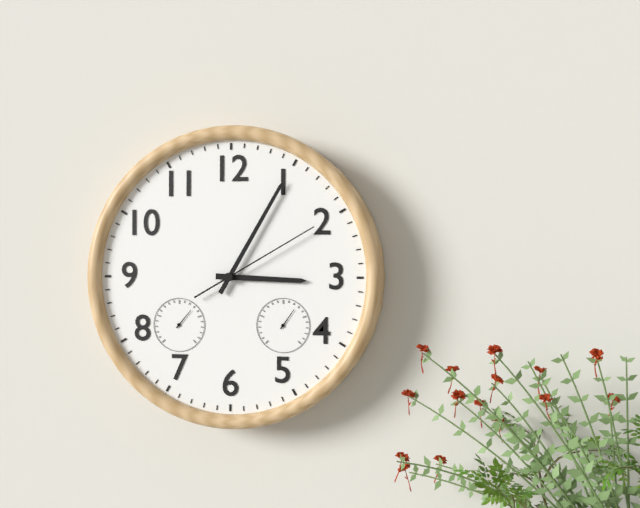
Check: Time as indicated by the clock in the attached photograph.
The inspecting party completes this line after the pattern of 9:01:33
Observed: 3:05:10
